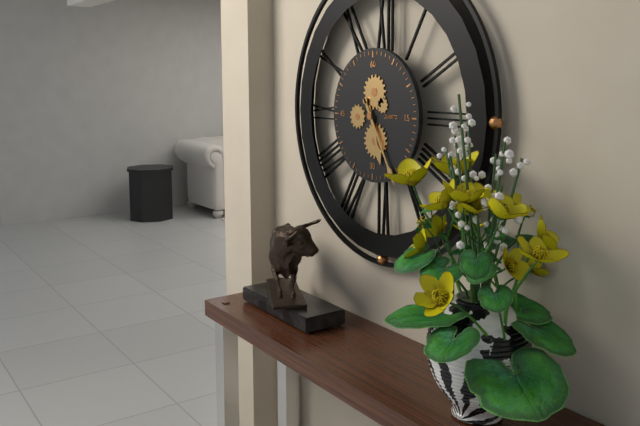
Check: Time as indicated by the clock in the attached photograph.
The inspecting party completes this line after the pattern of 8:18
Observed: 5:25
